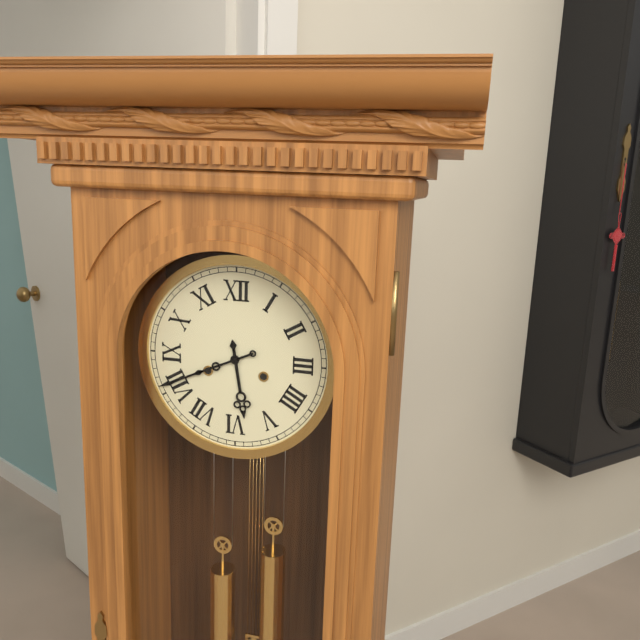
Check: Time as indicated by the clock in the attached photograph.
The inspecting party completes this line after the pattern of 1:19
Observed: 5:41
